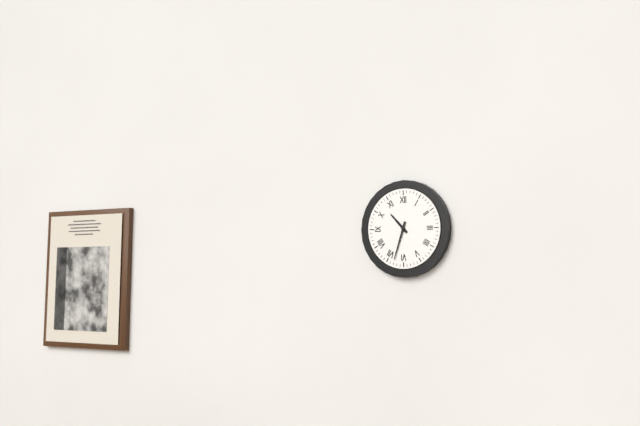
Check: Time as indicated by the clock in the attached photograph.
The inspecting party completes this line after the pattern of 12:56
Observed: 10:33
